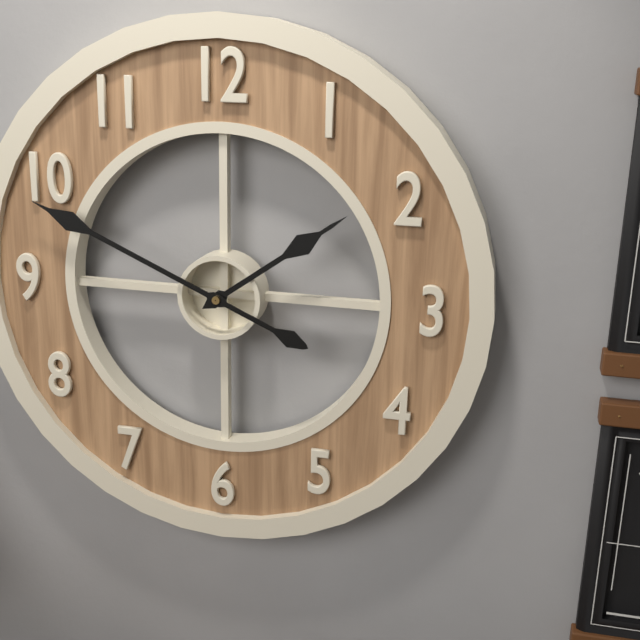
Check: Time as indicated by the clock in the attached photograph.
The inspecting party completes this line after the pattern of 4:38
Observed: 1:49
